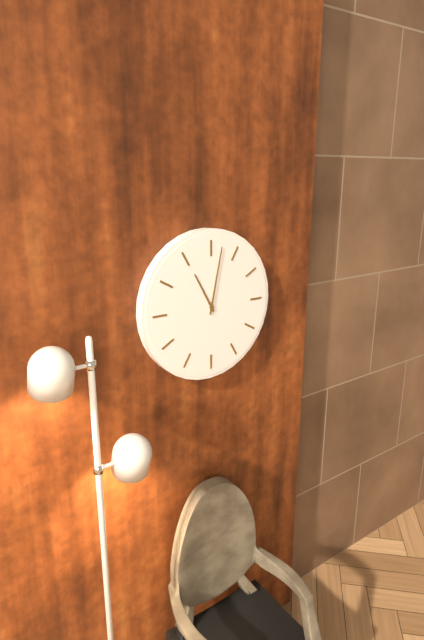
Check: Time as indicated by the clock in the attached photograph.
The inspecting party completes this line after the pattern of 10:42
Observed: 11:02
